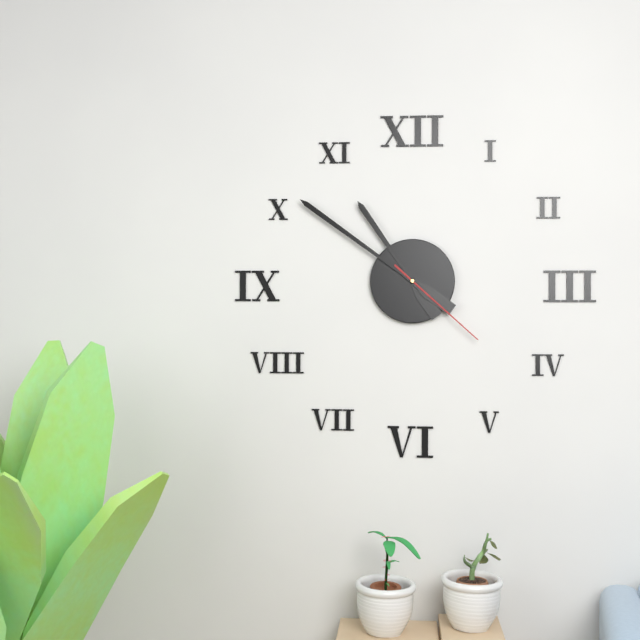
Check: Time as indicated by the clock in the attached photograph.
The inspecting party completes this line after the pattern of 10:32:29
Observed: 10:51:22
